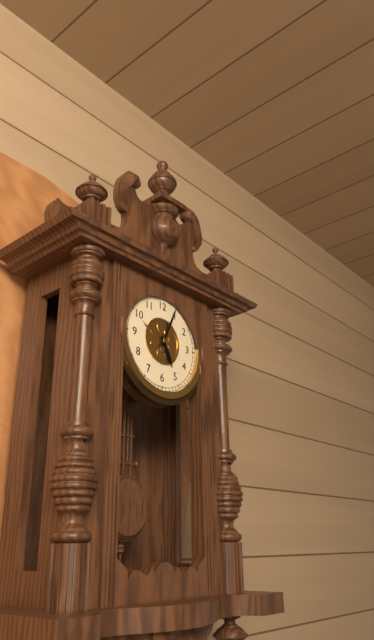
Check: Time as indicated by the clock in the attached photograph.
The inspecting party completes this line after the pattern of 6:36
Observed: 5:04
